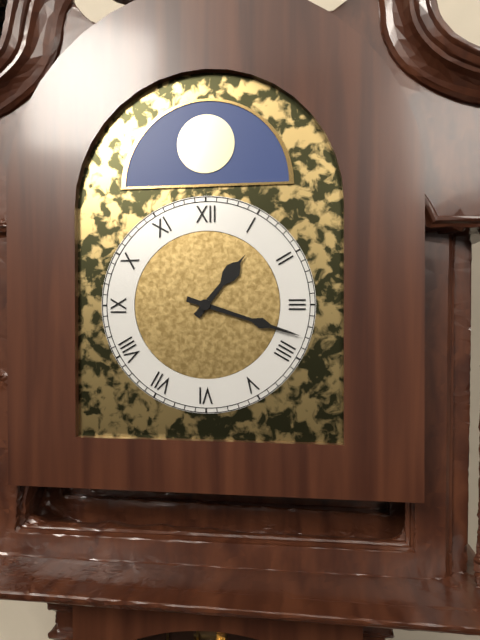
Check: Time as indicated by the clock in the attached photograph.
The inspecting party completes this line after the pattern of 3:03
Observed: 1:18
